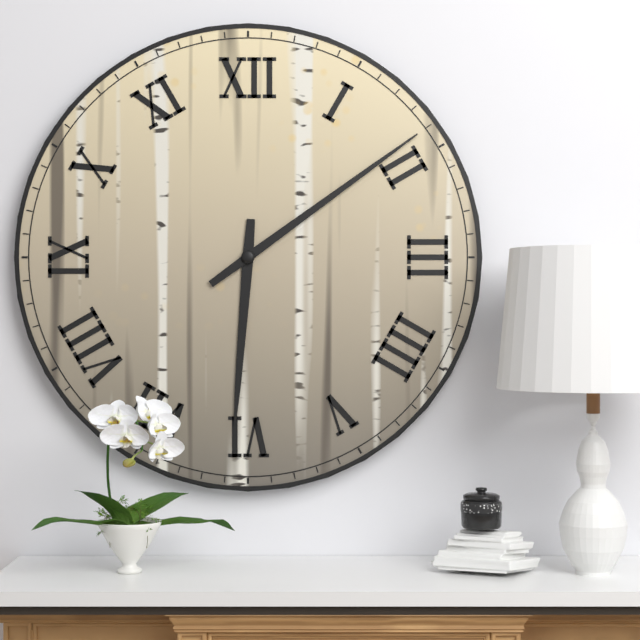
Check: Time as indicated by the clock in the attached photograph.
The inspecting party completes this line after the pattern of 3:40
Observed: 6:09
